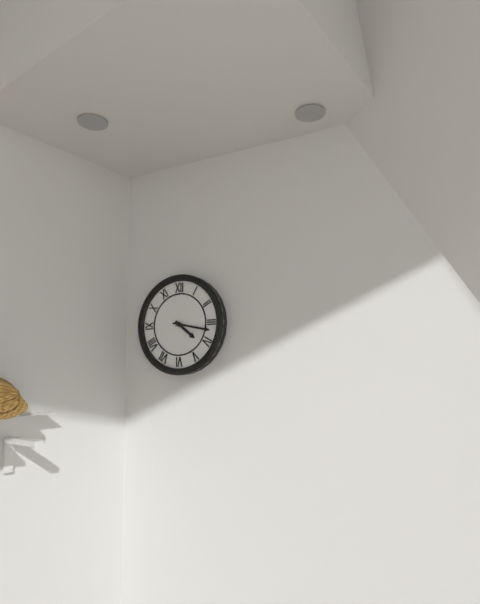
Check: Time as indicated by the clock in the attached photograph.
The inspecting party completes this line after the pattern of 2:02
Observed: 4:17
